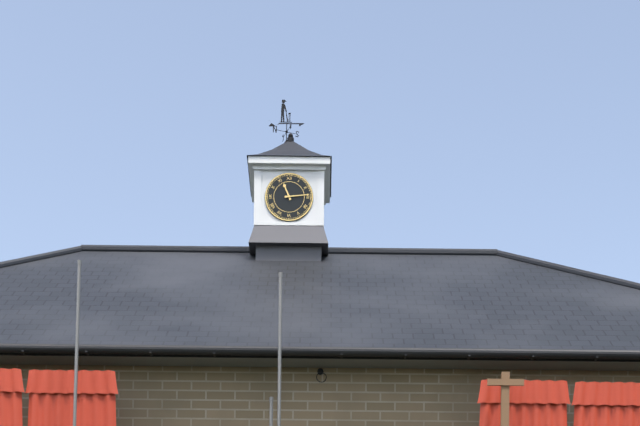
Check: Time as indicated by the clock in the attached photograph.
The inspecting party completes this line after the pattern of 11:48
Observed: 11:14
